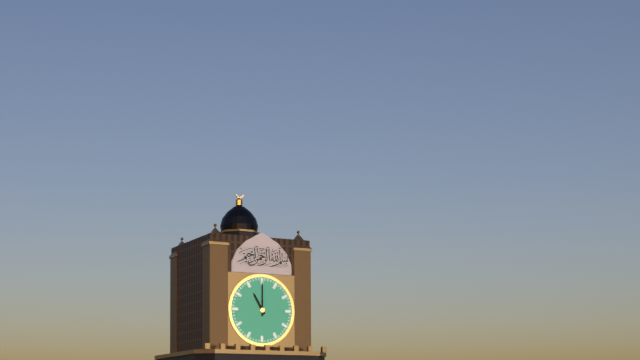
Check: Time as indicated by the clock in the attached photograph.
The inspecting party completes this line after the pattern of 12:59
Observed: 11:00
